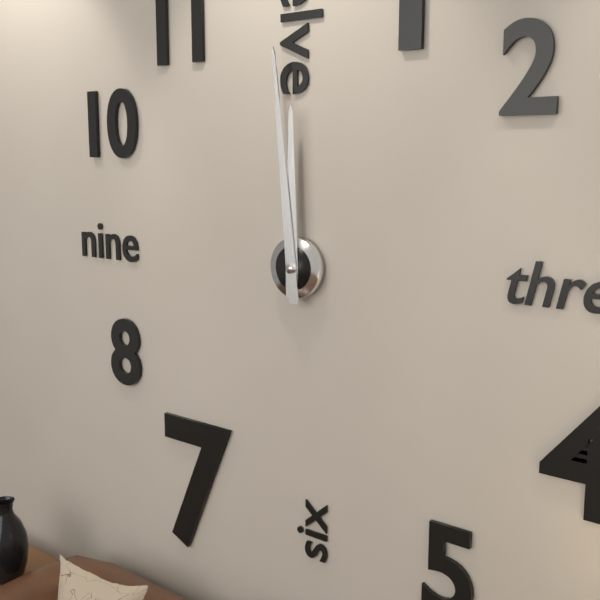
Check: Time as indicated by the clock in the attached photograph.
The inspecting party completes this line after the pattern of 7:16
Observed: 11:59
